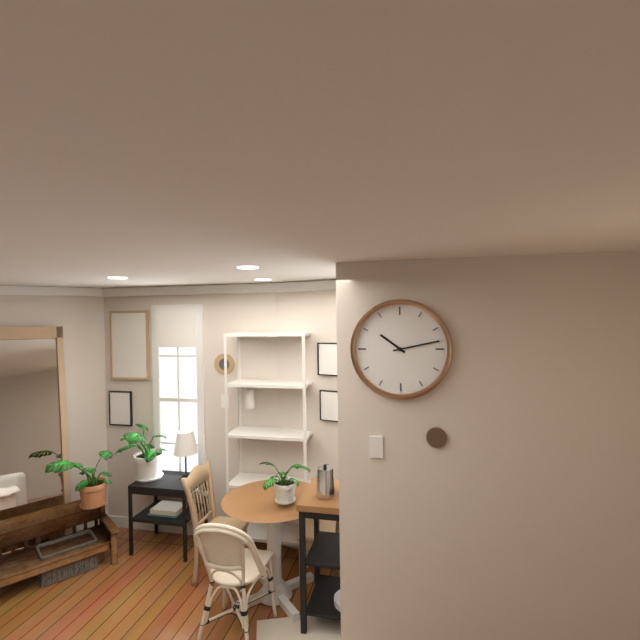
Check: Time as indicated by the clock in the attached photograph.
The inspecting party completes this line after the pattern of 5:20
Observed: 10:13
